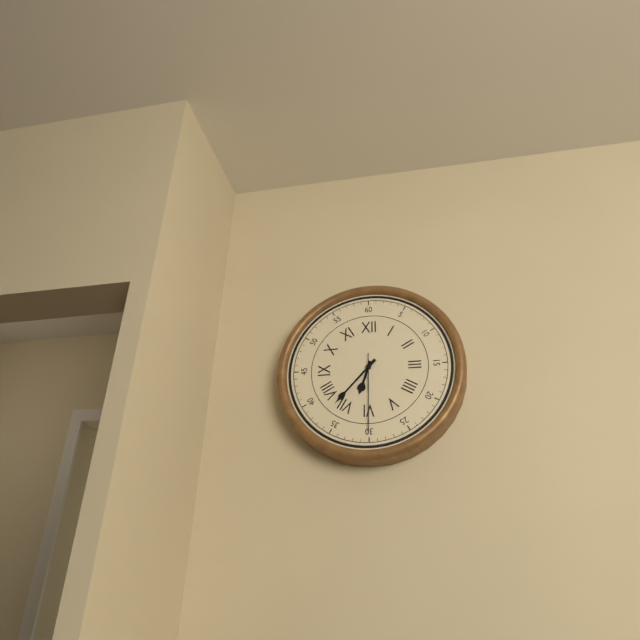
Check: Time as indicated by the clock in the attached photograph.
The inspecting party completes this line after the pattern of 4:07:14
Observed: 6:37:30
